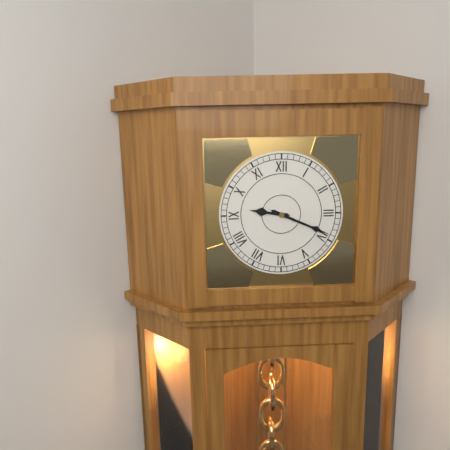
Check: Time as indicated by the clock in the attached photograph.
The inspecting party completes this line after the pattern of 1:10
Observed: 9:19
